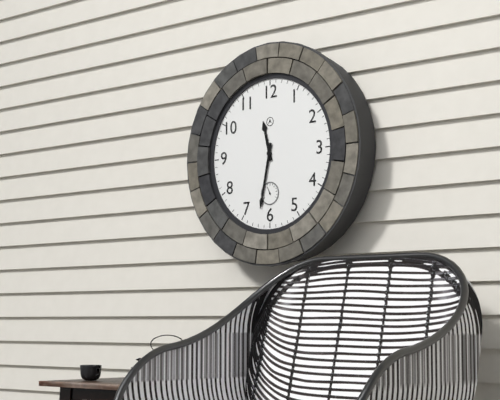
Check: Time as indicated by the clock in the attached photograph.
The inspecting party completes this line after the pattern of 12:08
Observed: 11:32
